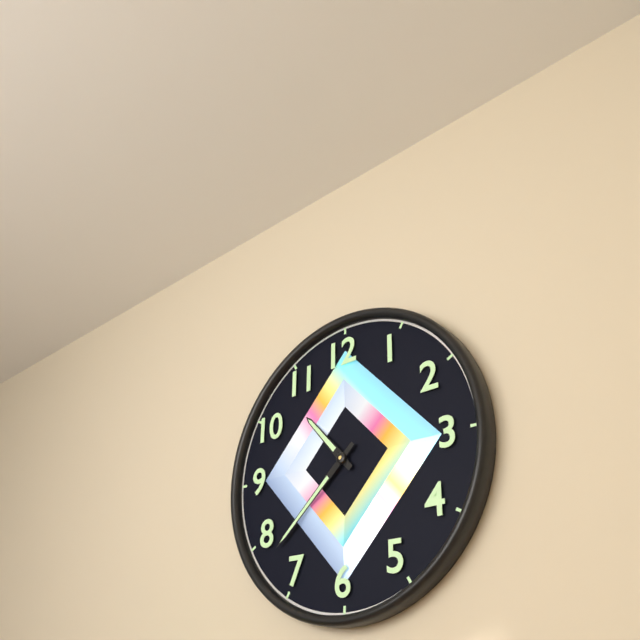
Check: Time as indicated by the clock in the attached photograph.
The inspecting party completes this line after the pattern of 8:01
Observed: 10:38
